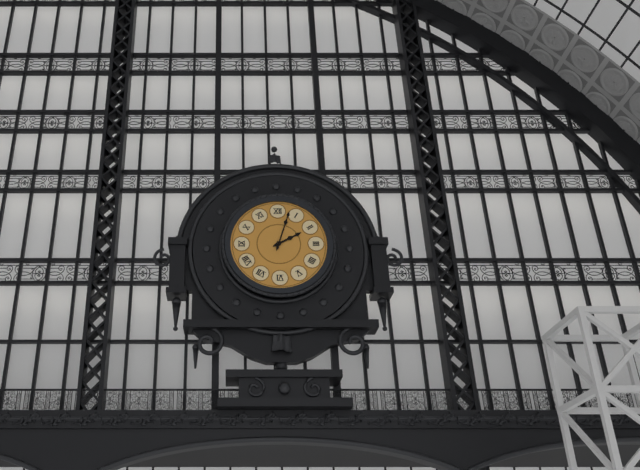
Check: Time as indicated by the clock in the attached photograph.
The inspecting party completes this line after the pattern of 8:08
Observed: 2:03
